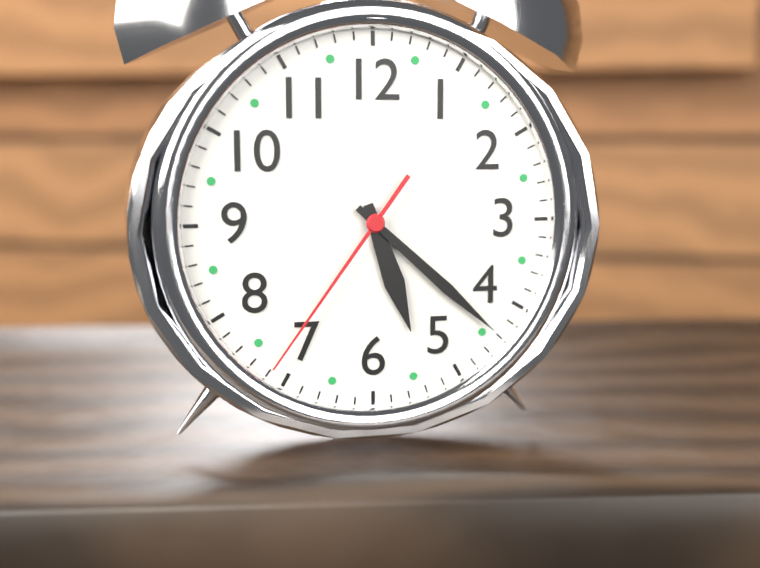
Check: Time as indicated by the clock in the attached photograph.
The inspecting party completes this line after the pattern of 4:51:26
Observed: 5:22:36
